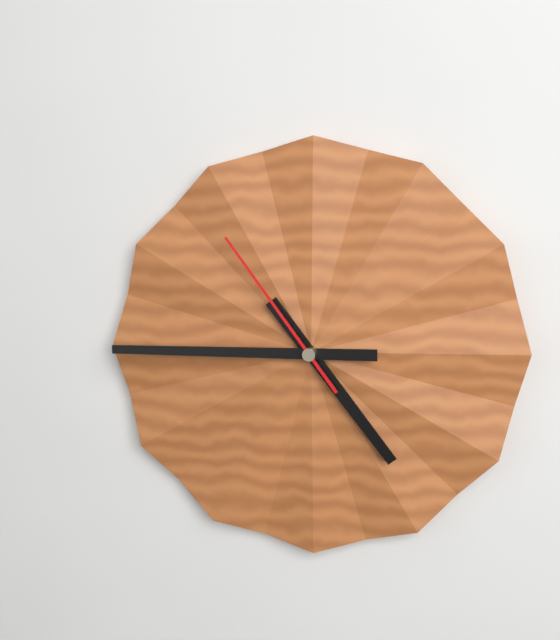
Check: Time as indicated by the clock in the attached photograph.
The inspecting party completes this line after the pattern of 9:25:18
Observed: 4:45:54
